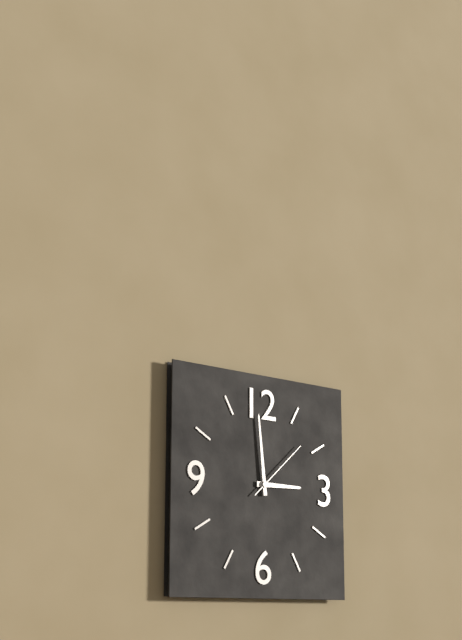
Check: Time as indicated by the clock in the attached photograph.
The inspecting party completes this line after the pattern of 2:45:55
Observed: 2:59:08
